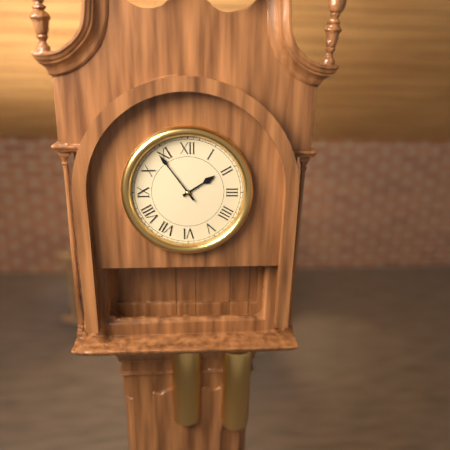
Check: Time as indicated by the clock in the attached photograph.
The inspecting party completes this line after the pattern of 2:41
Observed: 1:54
